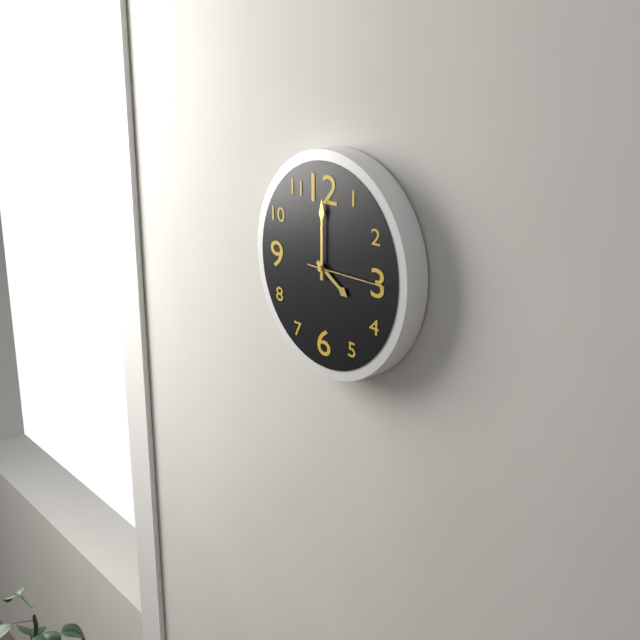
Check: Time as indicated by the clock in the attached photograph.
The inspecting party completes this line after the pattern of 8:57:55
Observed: 4:00:15
